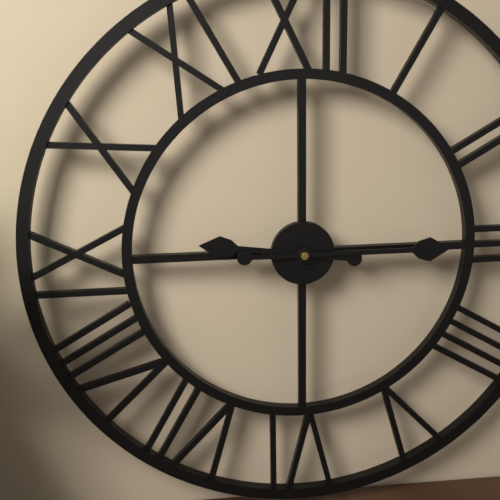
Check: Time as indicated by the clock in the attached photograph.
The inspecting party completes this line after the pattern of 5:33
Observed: 9:15
